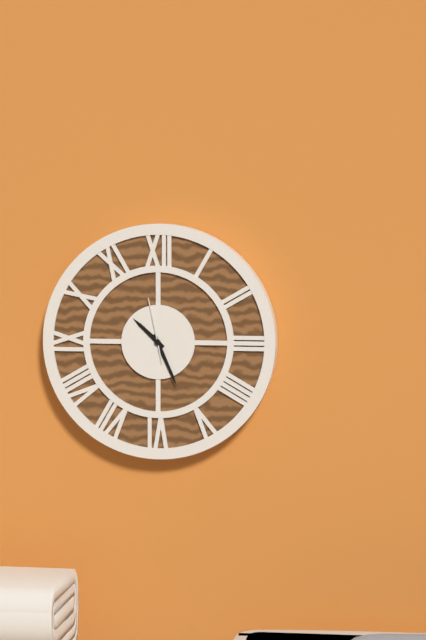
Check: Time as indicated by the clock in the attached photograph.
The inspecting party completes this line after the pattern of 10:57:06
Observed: 10:26:58
